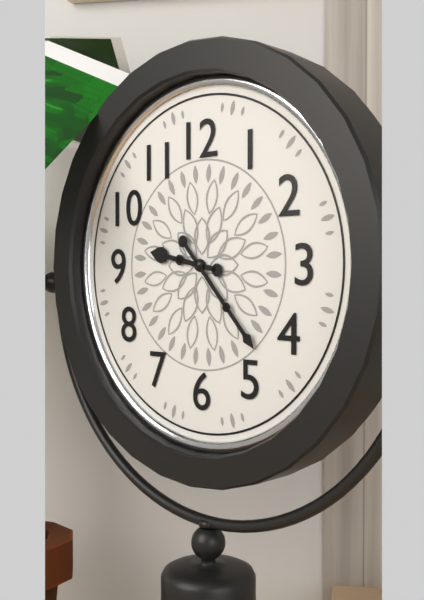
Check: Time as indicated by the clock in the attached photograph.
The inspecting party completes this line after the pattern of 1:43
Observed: 9:23
